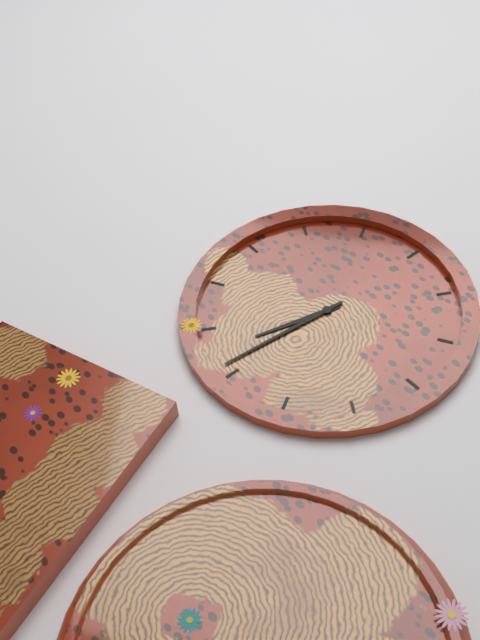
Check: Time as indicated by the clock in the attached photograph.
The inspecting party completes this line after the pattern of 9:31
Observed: 6:31
